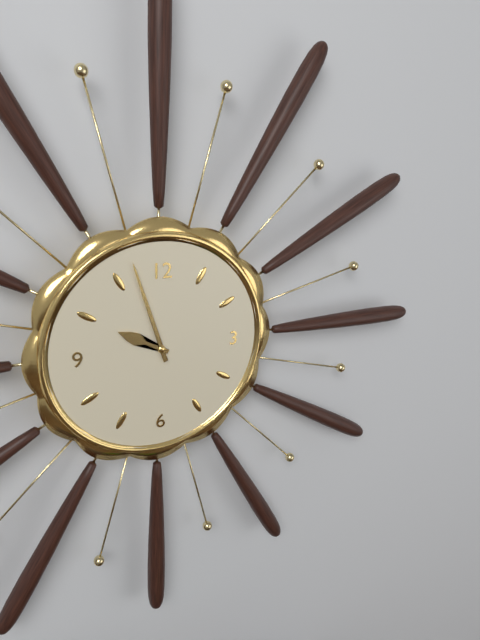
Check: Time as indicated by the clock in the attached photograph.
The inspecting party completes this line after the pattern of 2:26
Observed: 9:57
